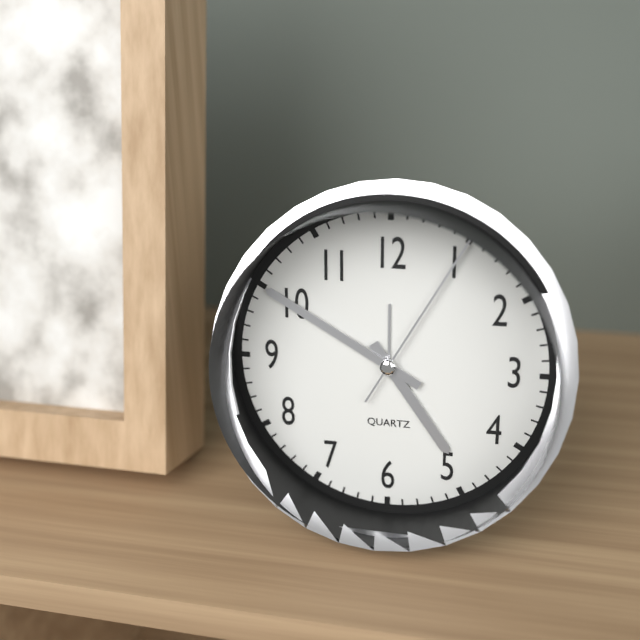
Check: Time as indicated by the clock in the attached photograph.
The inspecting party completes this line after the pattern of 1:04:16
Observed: 4:50:05
